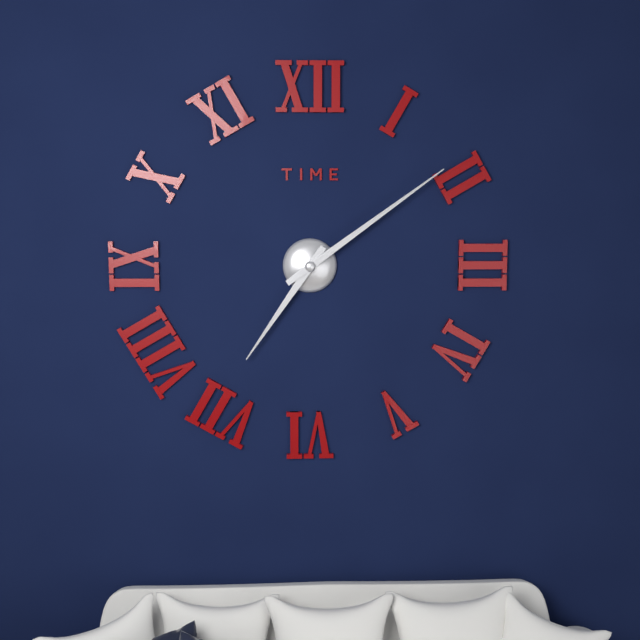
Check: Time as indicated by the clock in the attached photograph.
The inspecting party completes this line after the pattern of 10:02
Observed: 7:09
